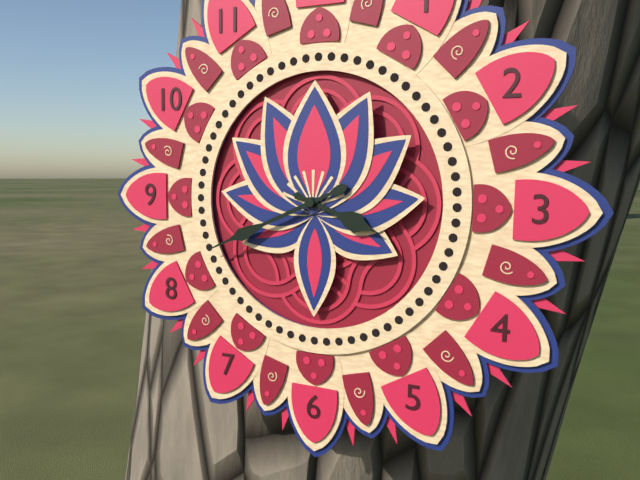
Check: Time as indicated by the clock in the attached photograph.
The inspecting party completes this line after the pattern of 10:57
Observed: 3:41
